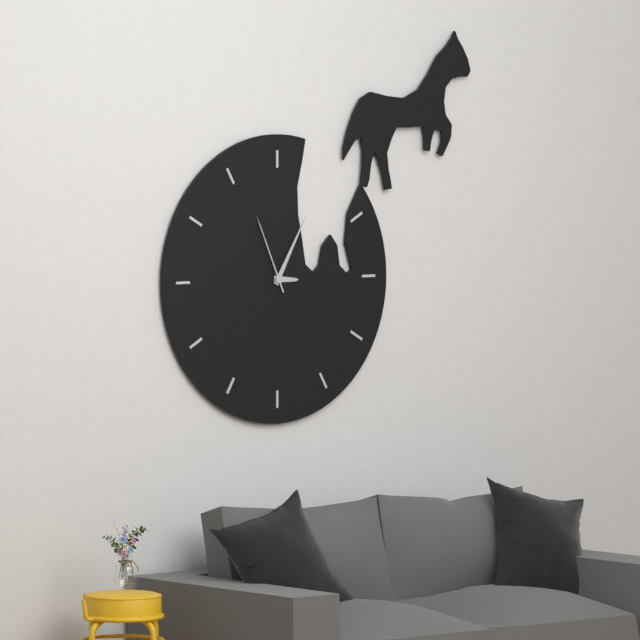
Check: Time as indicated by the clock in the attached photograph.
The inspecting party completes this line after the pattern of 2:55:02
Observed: 3:05:56
